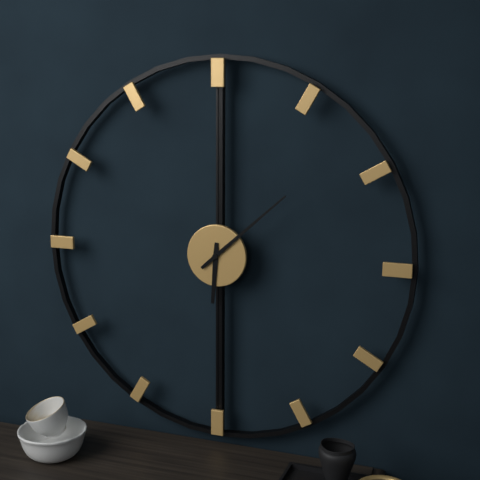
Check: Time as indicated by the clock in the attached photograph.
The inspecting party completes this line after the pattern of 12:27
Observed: 6:08
